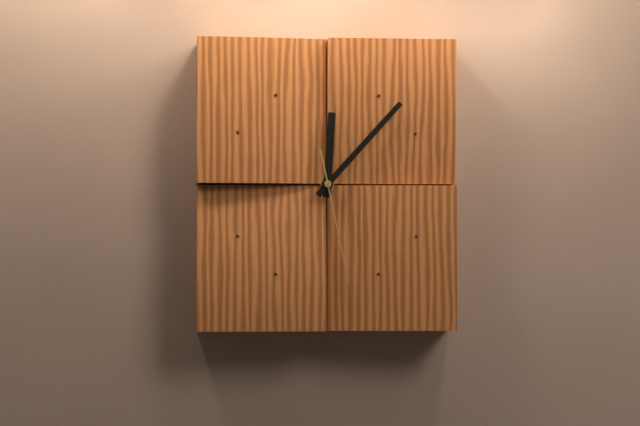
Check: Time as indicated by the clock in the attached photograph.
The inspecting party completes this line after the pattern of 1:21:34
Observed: 12:07:28
